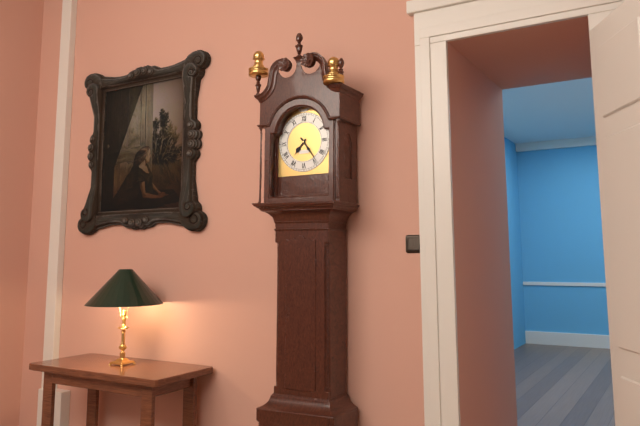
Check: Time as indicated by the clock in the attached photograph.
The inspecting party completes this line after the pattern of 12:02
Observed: 7:24
